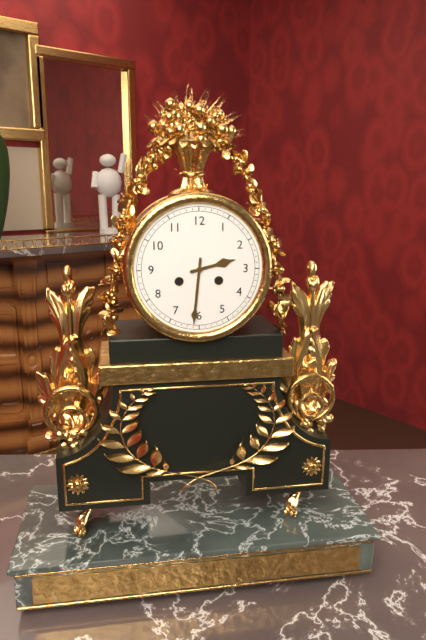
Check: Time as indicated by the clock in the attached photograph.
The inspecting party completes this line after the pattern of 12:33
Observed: 2:31
